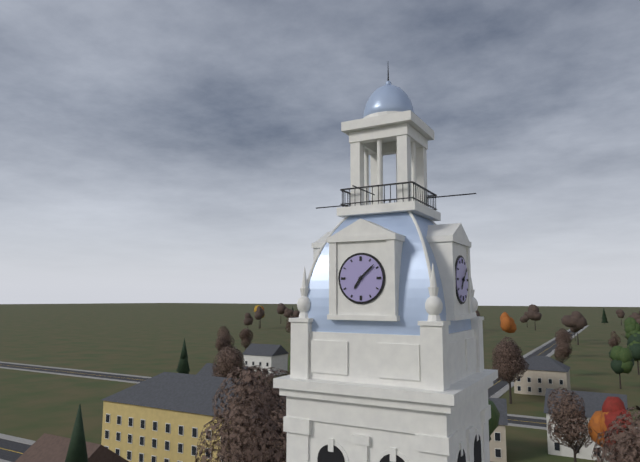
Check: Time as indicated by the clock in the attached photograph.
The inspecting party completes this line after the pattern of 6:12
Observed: 7:08
